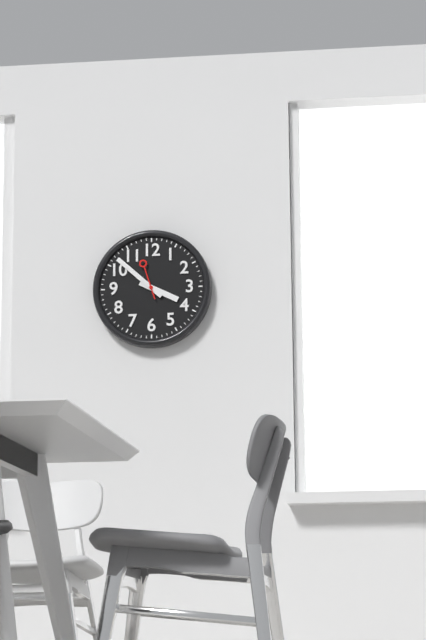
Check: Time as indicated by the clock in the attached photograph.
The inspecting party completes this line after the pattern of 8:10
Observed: 3:52
